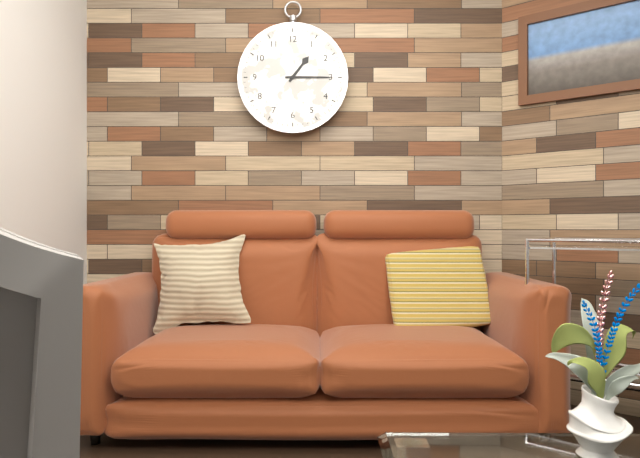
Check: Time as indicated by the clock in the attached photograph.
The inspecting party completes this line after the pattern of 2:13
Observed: 1:15
